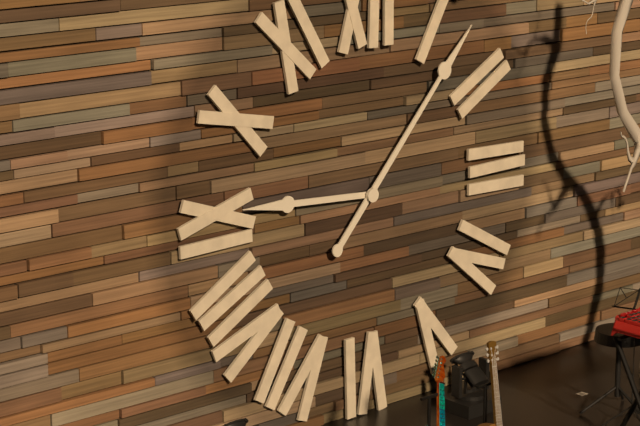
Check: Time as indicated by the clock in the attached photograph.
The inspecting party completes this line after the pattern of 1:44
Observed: 9:07
